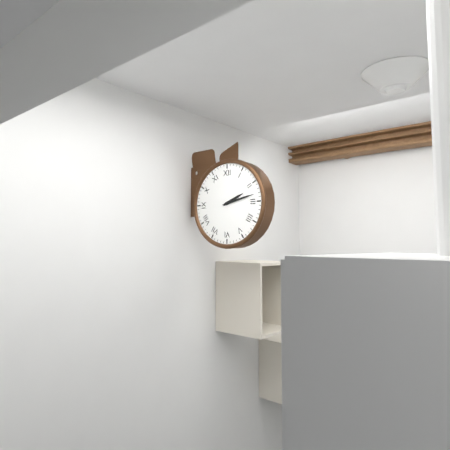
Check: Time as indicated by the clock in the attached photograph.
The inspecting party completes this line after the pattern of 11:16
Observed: 2:13
